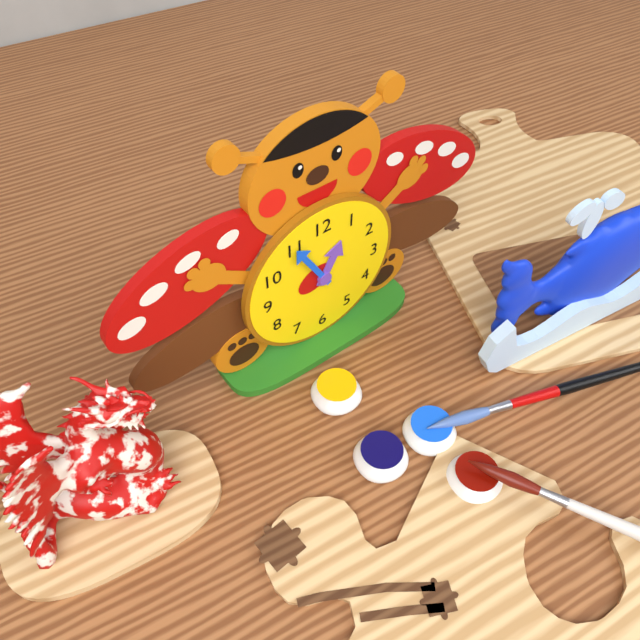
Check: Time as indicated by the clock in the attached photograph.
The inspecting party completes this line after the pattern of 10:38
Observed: 12:55
